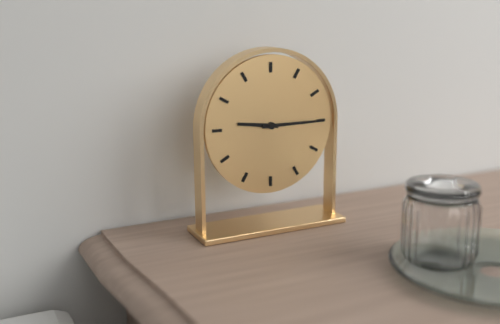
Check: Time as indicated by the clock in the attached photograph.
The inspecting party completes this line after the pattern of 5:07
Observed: 9:15
